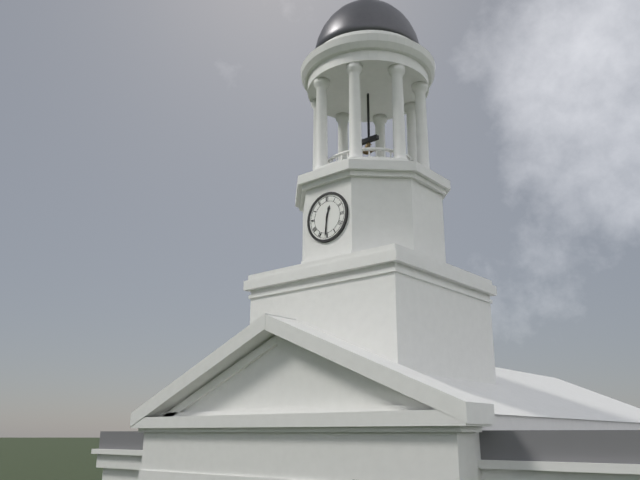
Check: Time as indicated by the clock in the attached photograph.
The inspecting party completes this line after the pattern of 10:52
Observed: 12:31
